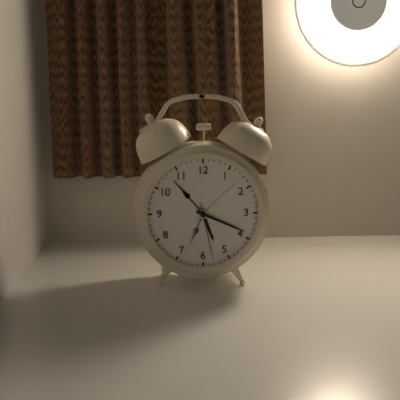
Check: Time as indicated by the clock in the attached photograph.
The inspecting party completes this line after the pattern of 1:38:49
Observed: 5:19:28
